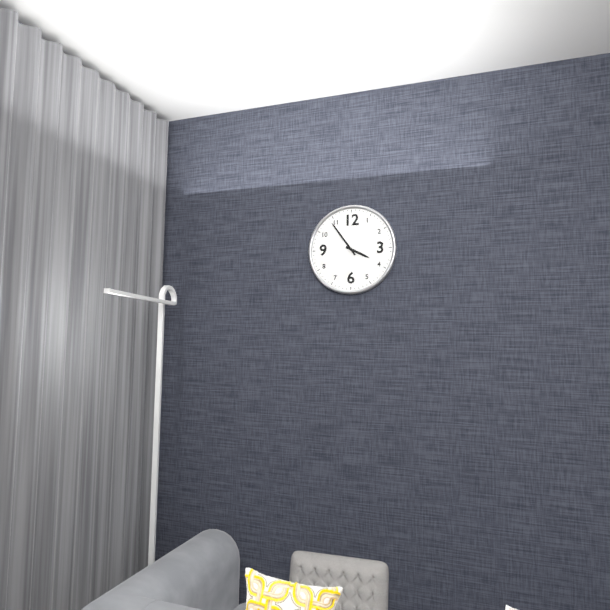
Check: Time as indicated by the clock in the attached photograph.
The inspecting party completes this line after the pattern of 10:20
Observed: 3:54
